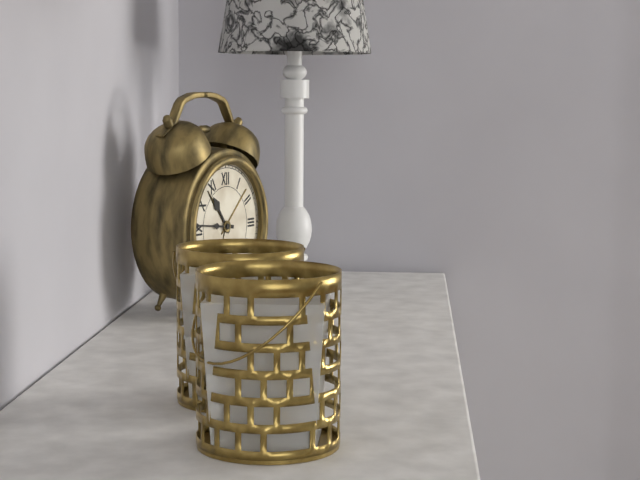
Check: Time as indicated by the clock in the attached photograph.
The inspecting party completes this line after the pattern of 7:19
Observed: 10:46
